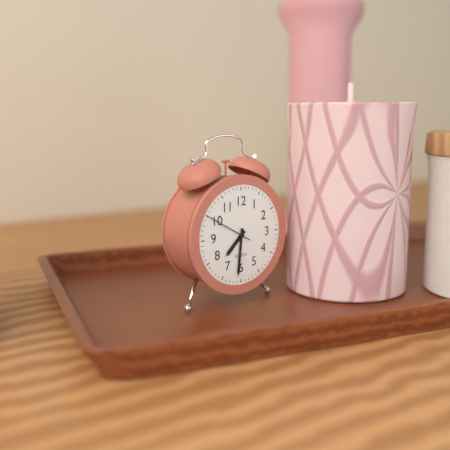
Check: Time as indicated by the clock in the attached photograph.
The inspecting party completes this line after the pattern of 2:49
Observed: 7:31
